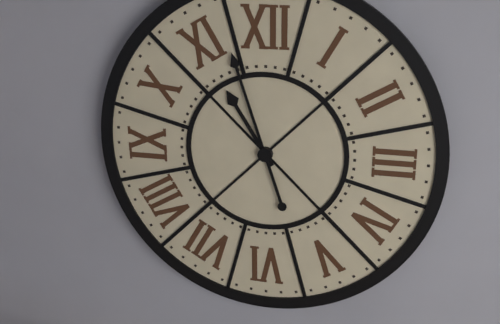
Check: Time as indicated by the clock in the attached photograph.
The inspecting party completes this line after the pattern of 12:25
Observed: 10:57
